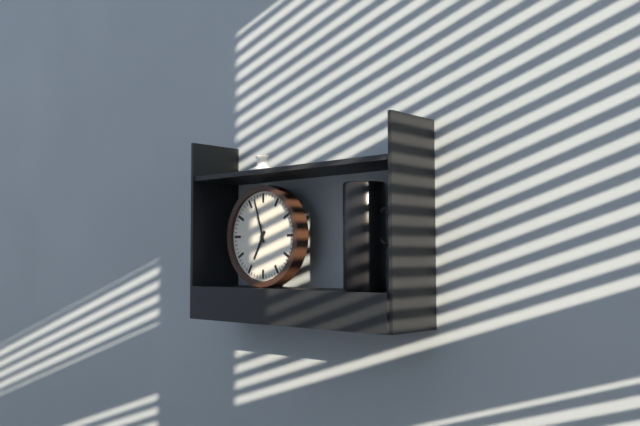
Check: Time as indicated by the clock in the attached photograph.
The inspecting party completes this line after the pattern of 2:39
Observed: 6:57
